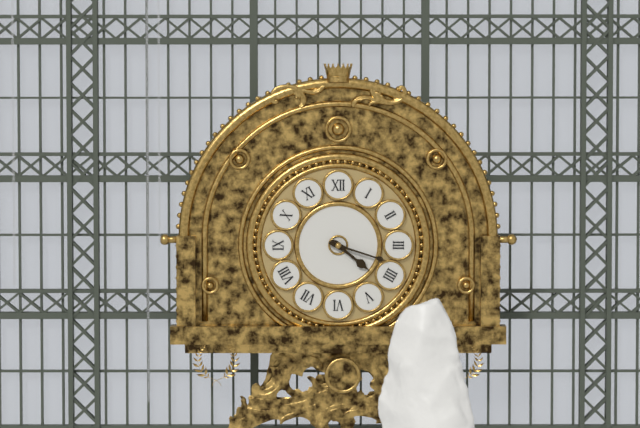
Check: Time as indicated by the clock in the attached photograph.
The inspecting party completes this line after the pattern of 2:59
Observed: 4:18
